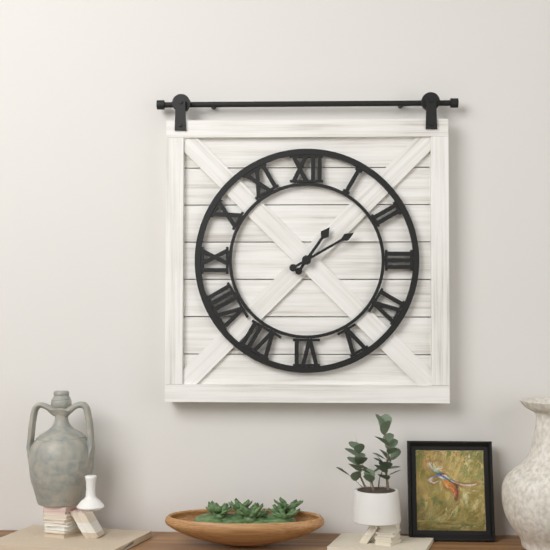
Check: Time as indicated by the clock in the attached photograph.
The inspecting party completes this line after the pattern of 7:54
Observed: 1:10
